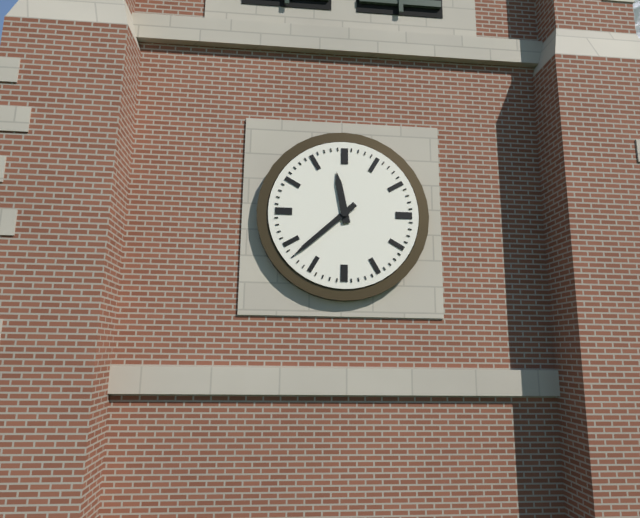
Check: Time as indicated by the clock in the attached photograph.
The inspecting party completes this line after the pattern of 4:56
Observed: 11:38
